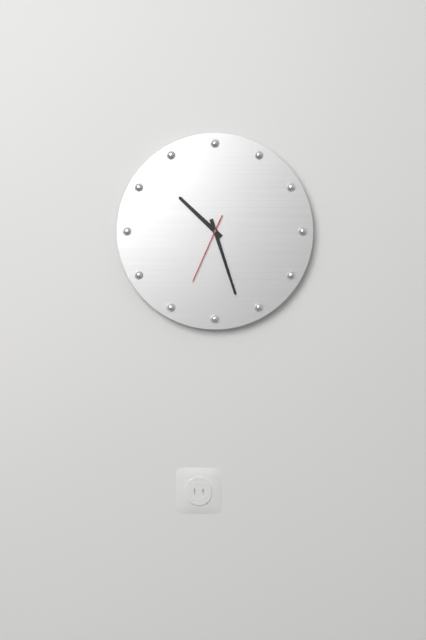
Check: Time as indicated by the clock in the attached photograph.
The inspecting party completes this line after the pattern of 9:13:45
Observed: 10:27:34
